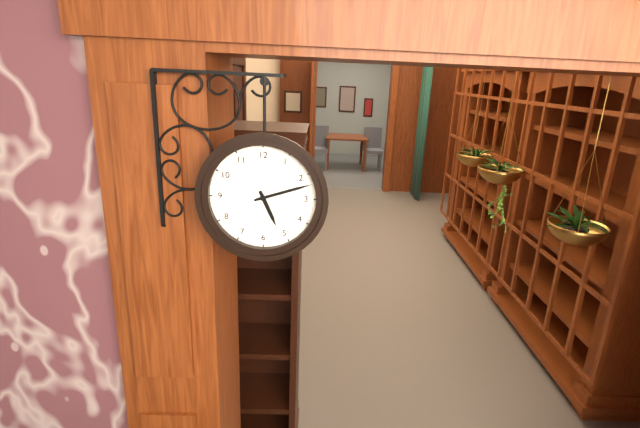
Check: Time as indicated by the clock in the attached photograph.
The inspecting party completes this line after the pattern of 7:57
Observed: 5:12
